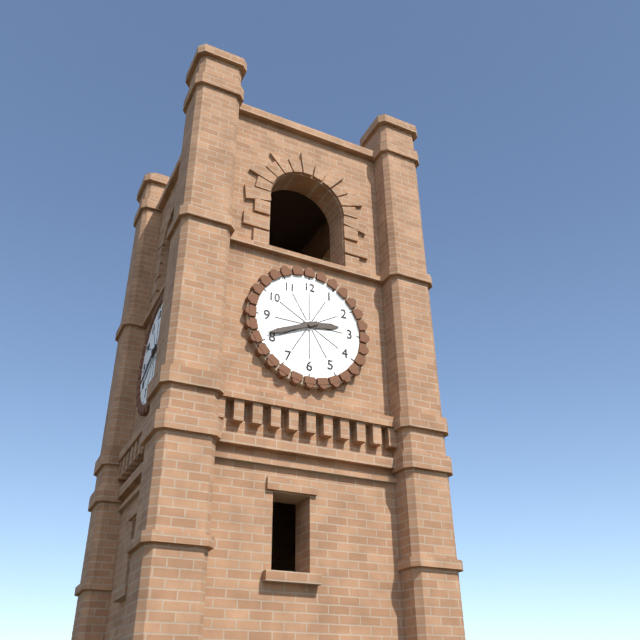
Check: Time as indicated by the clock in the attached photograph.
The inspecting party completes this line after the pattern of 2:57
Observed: 2:41
